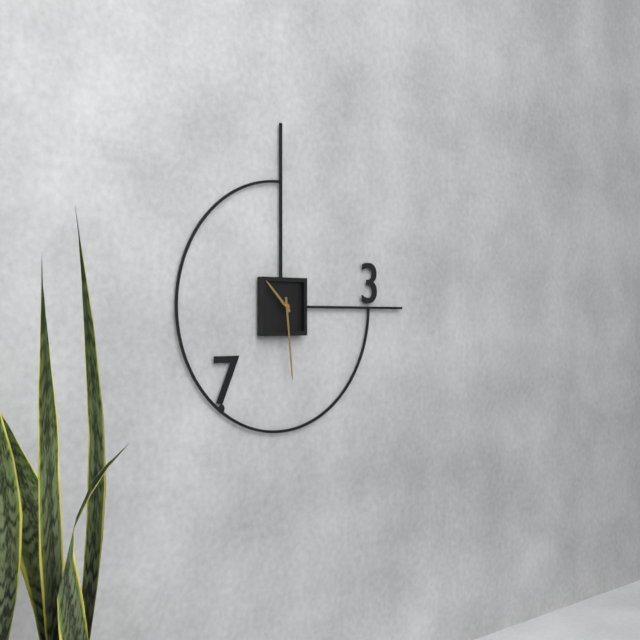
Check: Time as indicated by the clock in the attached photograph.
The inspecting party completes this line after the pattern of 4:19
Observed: 10:29
